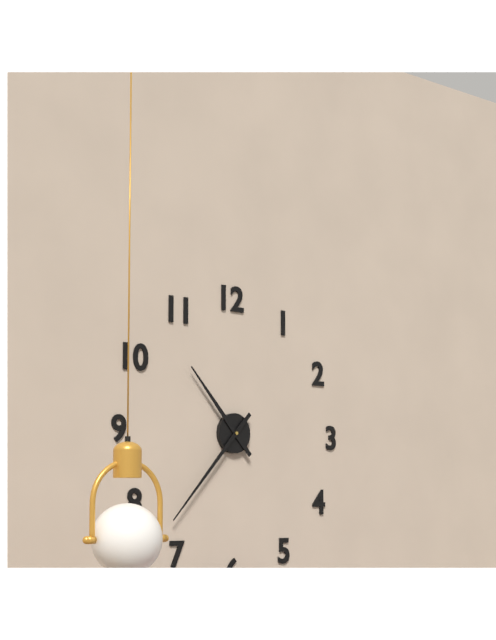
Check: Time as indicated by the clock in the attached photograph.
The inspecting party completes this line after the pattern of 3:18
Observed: 10:37
